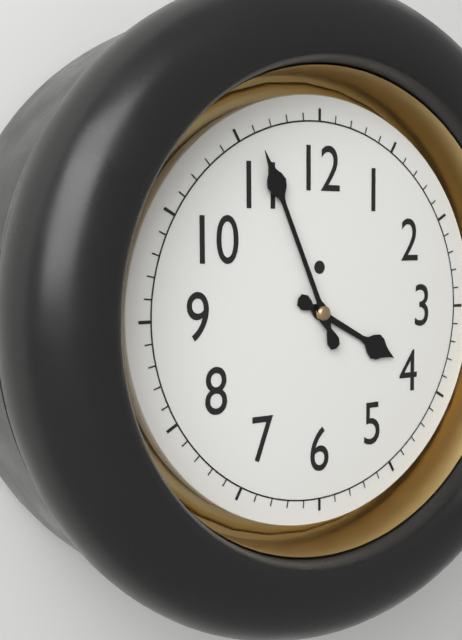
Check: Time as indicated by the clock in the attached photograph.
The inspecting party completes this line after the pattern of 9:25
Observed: 3:56
